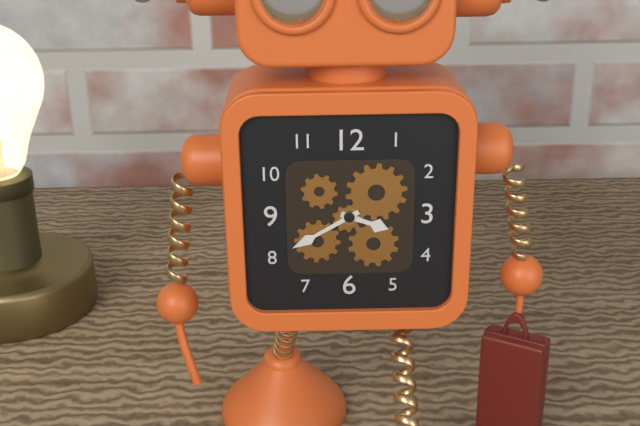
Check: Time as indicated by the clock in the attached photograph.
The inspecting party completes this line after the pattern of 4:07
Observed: 3:40
